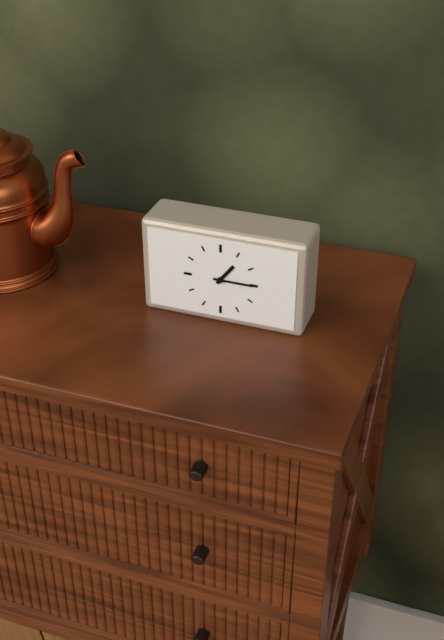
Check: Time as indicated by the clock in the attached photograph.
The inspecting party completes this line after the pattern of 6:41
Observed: 1:15
